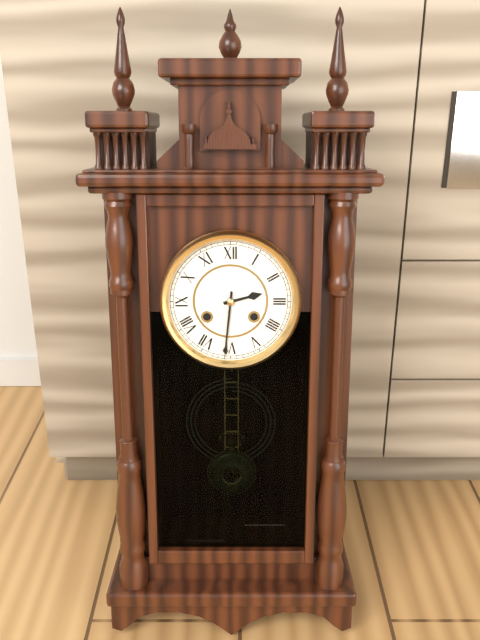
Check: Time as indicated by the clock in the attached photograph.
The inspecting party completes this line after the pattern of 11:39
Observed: 2:31
